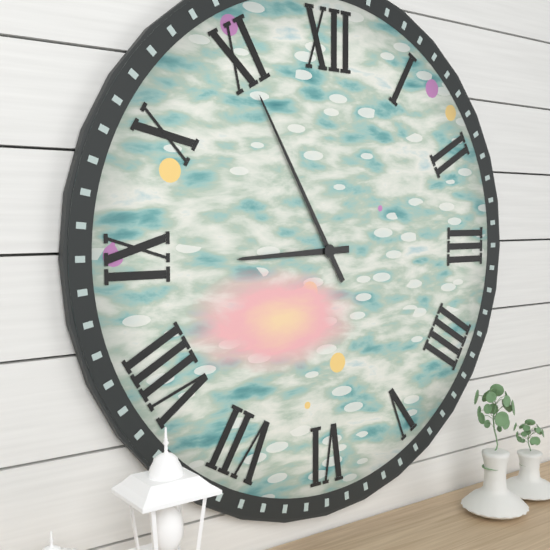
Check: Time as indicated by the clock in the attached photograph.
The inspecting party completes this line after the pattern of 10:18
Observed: 8:55
